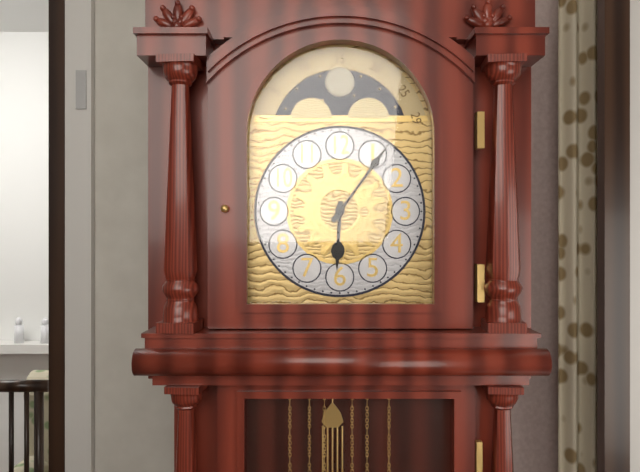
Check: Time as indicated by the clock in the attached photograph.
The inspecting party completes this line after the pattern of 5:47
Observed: 6:06
